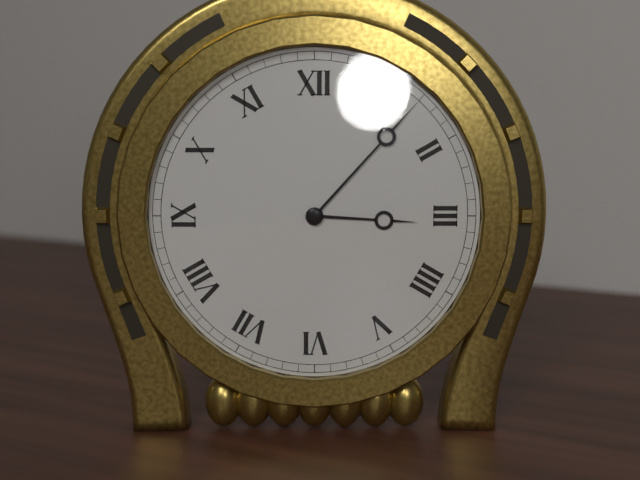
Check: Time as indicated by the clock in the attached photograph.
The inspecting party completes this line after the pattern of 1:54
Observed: 3:07
